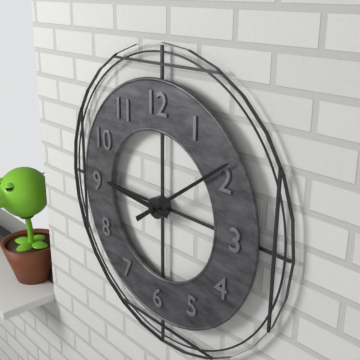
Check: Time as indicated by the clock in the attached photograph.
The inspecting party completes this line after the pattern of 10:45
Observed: 9:09
